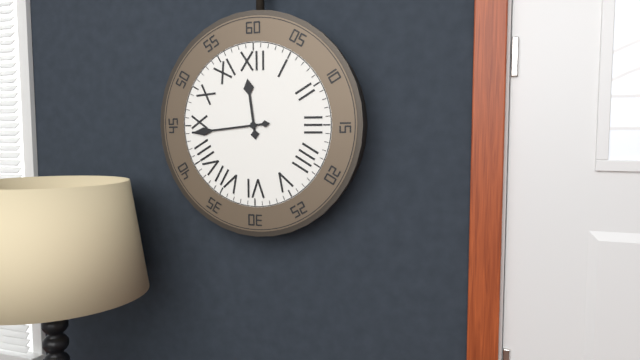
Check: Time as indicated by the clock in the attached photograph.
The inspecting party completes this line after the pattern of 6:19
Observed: 11:44
